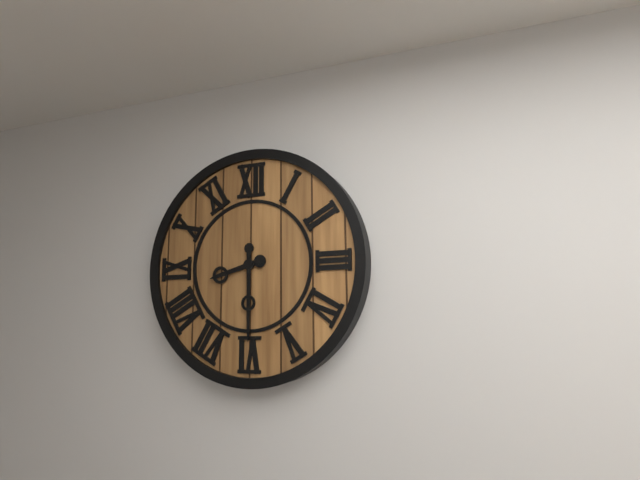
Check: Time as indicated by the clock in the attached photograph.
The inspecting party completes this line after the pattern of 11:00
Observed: 8:30
